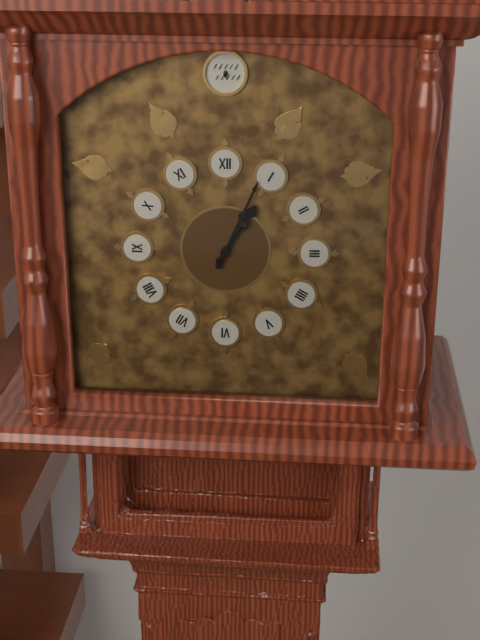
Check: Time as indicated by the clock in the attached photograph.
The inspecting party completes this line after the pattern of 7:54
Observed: 1:04
